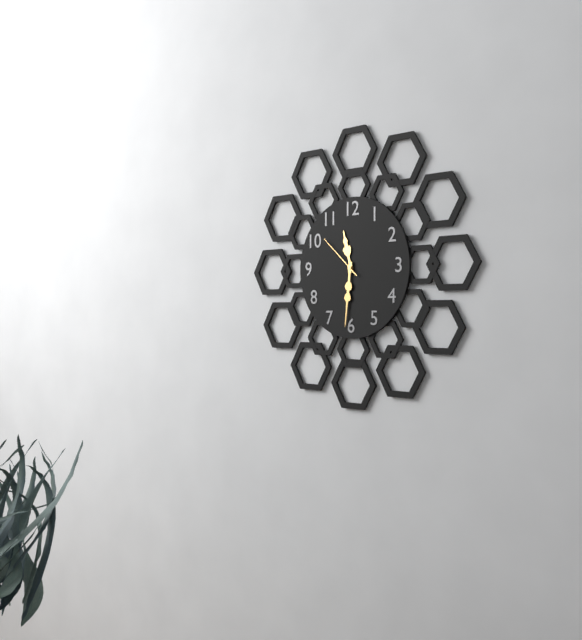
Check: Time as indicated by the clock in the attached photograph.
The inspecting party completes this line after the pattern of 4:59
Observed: 11:31
